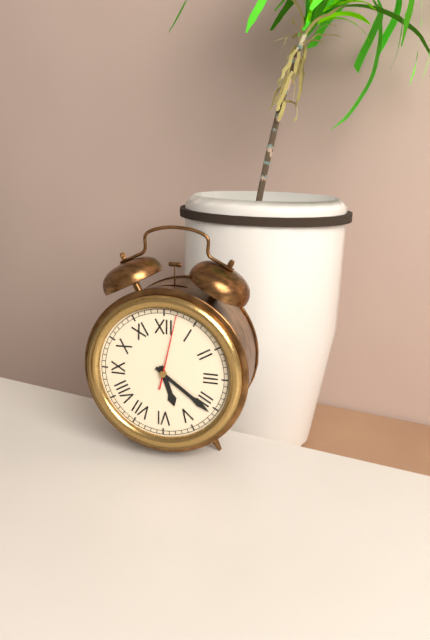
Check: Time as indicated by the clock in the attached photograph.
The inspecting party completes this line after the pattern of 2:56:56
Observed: 5:21:02
